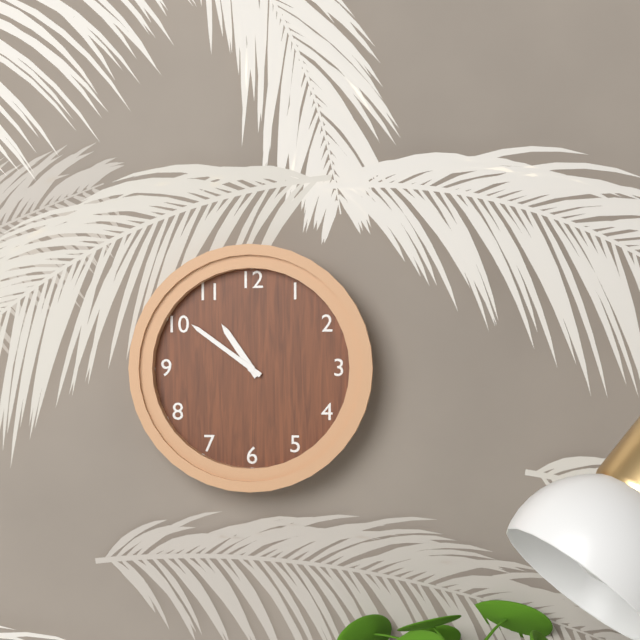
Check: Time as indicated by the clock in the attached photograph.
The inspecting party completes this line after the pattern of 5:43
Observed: 10:51
